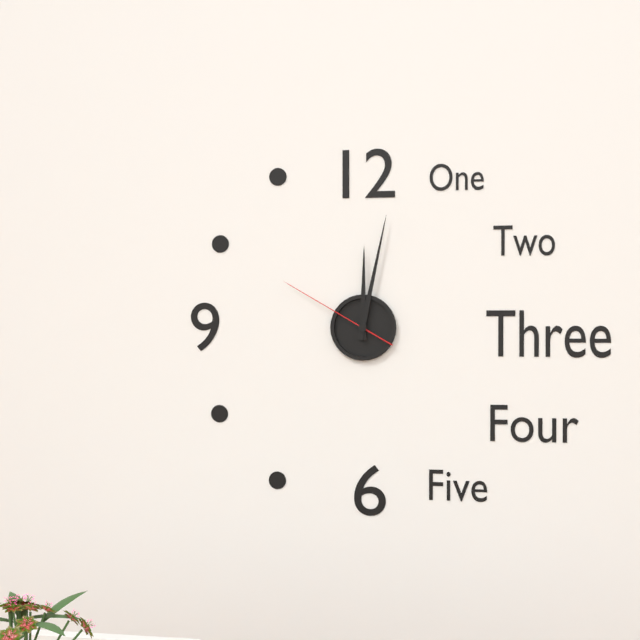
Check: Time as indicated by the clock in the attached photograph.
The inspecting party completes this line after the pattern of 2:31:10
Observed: 12:02:50
